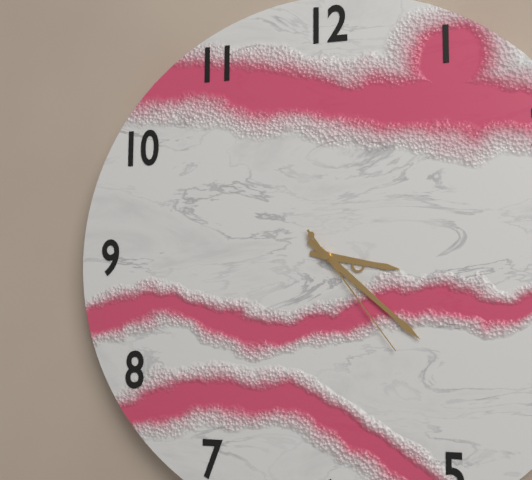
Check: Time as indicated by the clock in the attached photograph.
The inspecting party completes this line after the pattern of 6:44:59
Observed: 3:22:24
